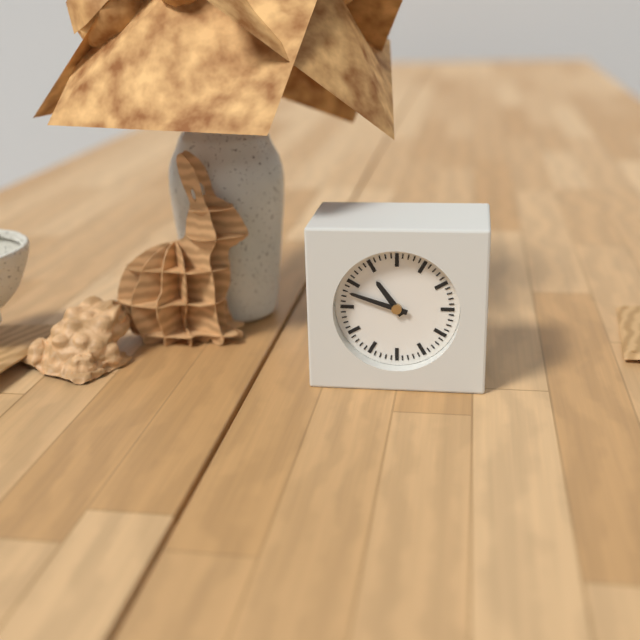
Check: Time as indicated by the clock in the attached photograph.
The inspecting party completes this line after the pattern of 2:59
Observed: 10:48
